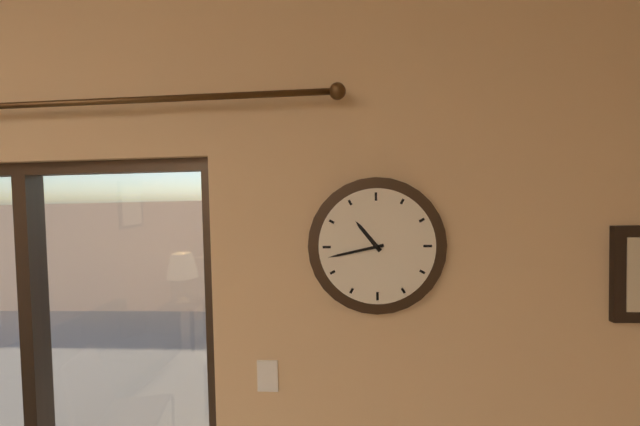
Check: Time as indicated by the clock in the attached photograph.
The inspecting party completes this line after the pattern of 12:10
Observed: 10:43
